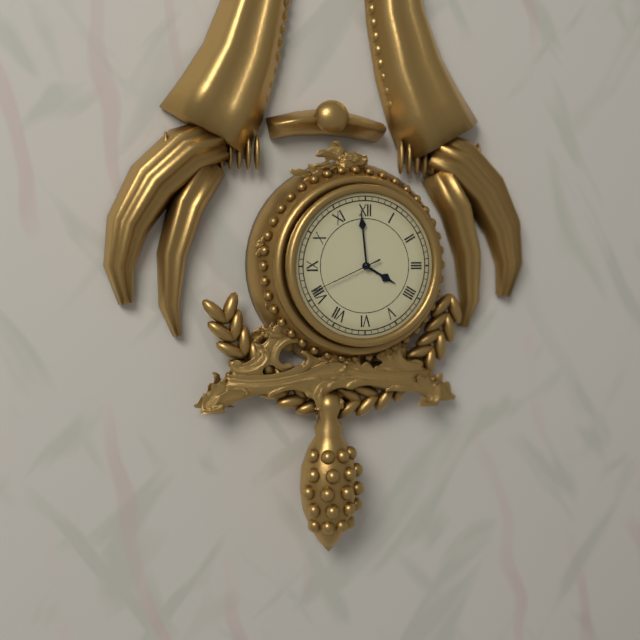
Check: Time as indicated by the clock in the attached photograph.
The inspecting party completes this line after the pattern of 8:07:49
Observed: 3:59:41
